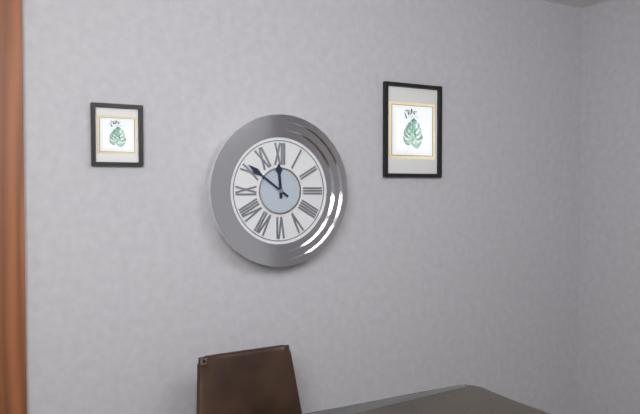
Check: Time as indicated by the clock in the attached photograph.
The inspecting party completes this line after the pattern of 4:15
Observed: 11:51
